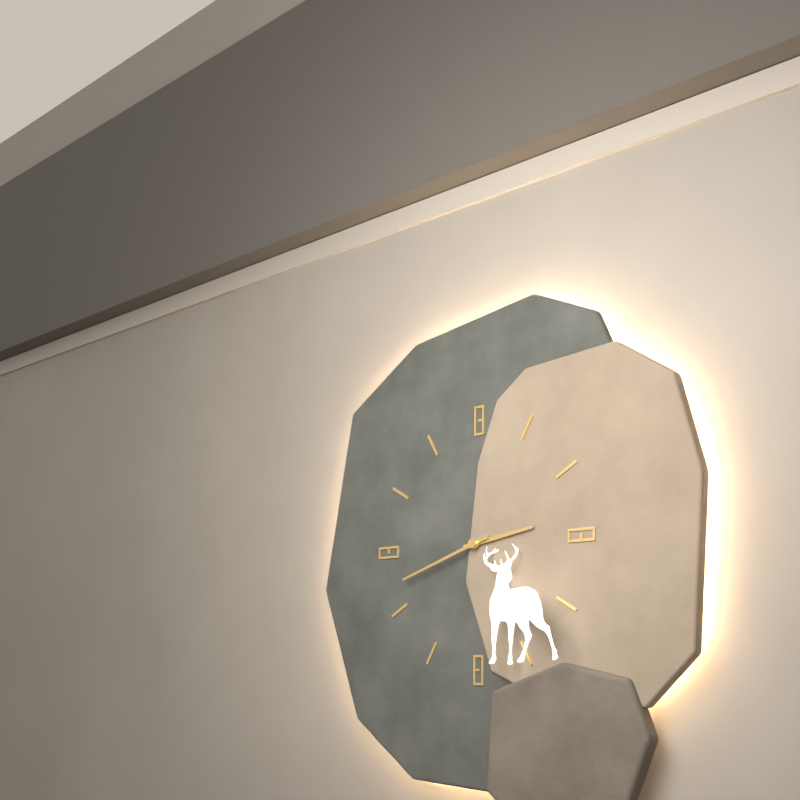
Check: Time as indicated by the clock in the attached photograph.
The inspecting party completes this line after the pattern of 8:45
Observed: 2:42
